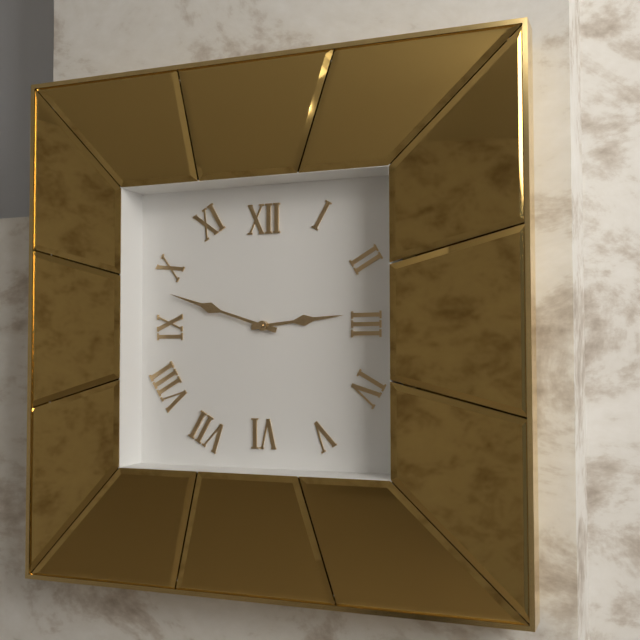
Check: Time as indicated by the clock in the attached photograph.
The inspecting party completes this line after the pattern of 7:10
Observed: 2:48
